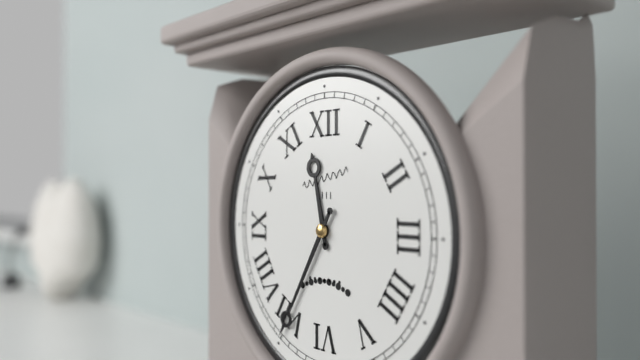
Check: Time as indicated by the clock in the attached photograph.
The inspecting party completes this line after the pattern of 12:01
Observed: 11:35
